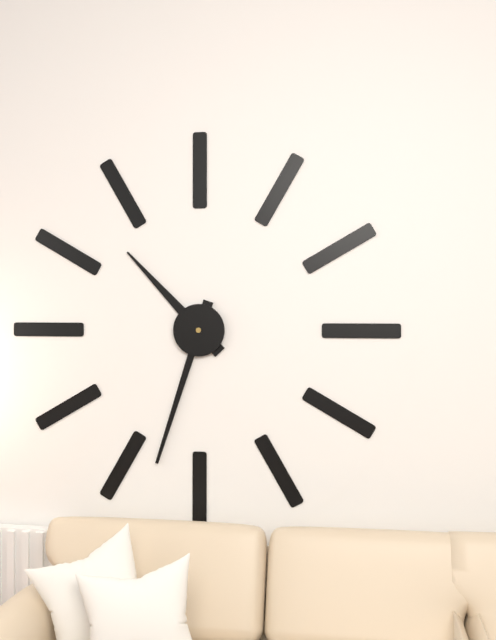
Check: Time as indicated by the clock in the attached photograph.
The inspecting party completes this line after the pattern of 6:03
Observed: 10:33
